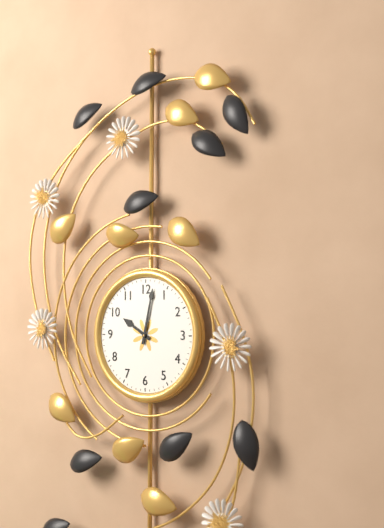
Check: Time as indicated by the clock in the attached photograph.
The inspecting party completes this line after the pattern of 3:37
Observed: 10:02
